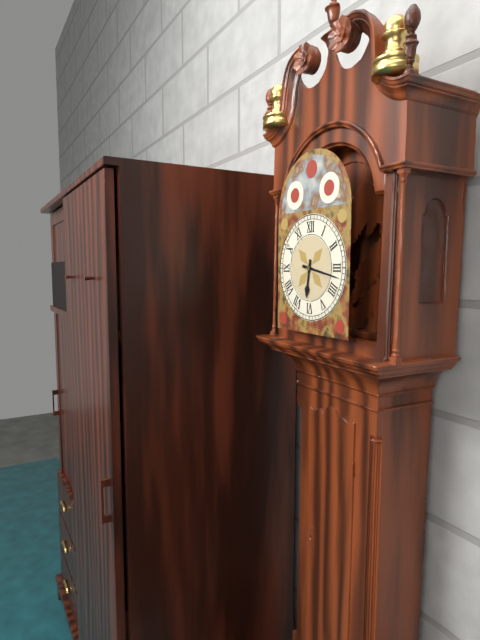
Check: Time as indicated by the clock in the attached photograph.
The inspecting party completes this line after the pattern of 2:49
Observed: 6:17
